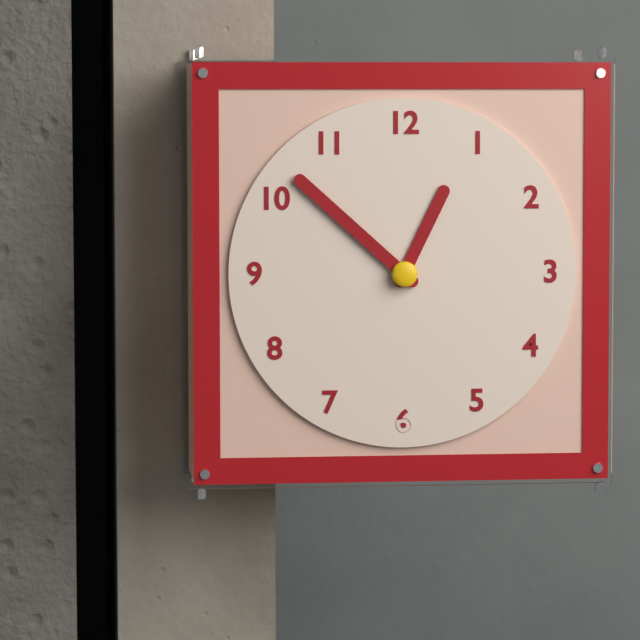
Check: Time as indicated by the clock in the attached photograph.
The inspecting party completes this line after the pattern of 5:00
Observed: 12:52
